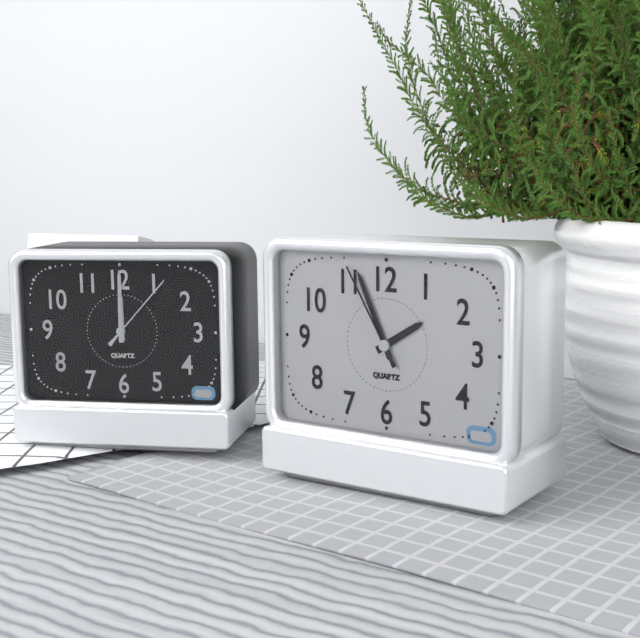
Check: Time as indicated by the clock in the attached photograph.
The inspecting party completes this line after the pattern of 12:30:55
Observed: 1:56:55
